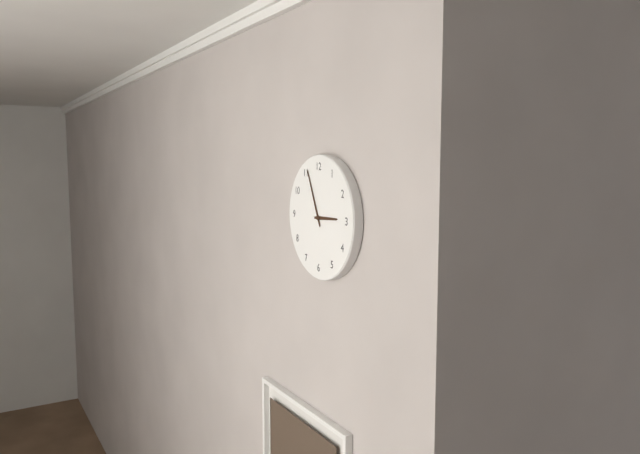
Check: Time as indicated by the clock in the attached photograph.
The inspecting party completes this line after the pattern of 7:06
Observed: 2:56
